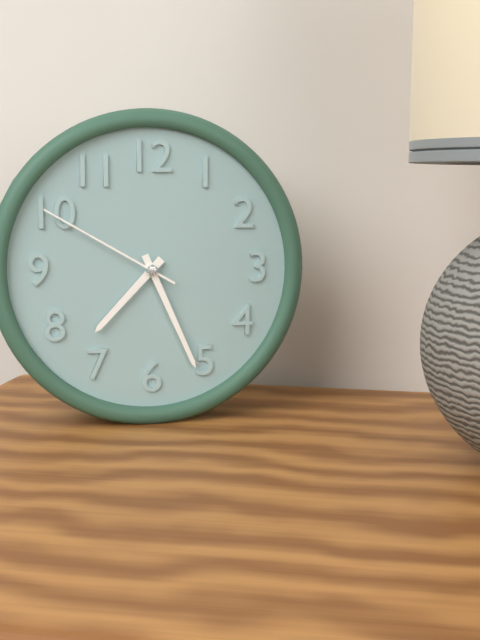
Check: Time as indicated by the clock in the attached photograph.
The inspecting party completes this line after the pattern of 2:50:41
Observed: 7:26:50
